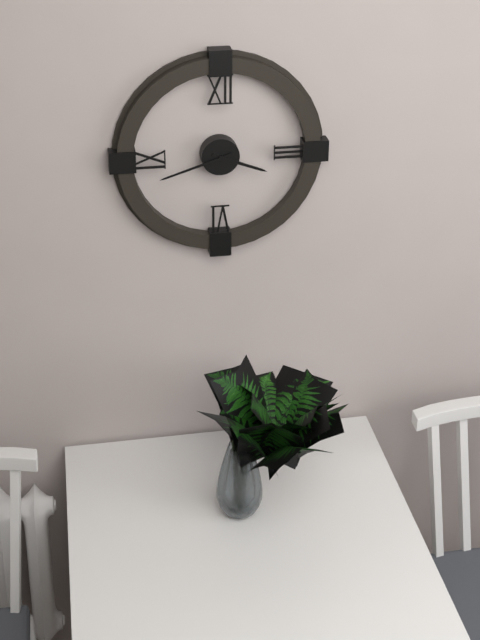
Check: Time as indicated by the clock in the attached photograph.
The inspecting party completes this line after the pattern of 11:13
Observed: 3:42
